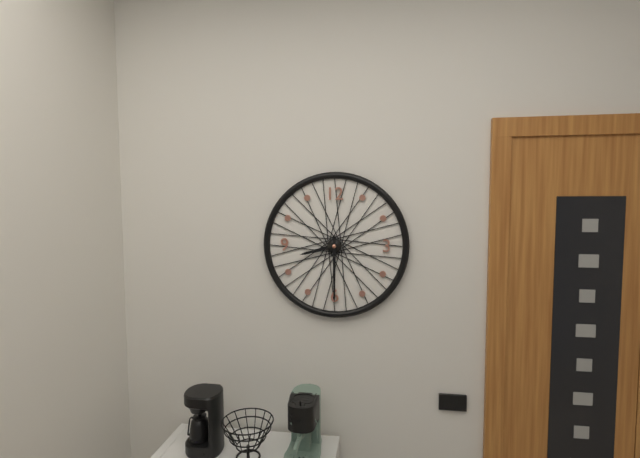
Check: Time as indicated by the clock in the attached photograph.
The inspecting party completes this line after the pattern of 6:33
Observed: 8:30
